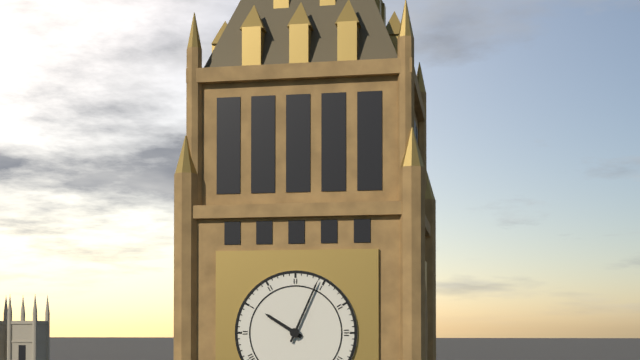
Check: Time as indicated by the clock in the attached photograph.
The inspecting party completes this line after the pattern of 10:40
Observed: 10:04
